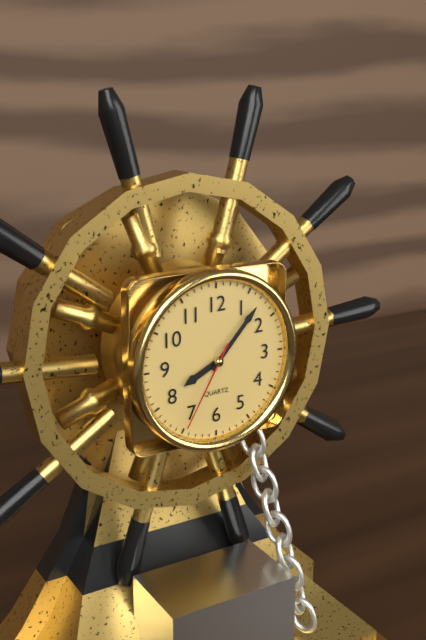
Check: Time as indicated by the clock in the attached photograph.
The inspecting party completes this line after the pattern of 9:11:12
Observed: 8:07:35
